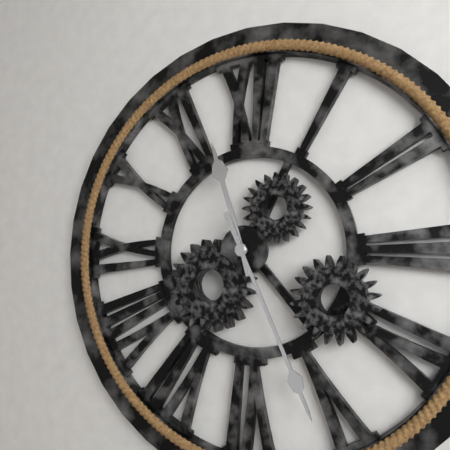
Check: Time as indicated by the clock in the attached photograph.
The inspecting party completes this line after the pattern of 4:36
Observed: 11:26
